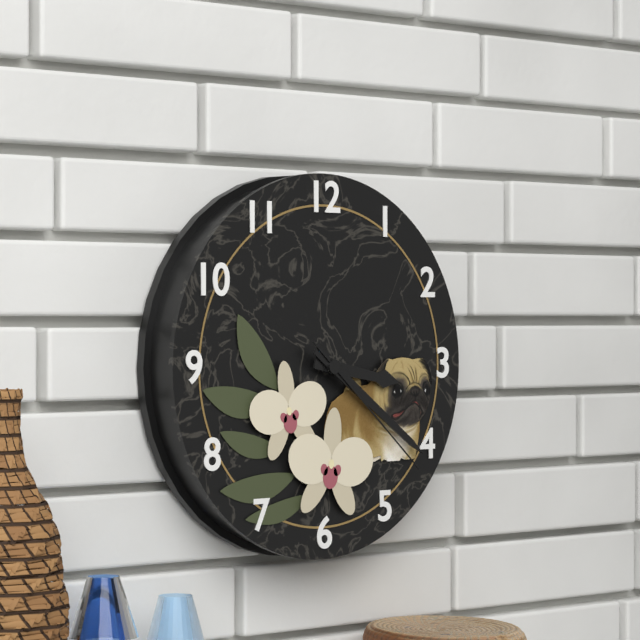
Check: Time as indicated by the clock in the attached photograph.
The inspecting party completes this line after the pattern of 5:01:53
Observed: 3:21:22
